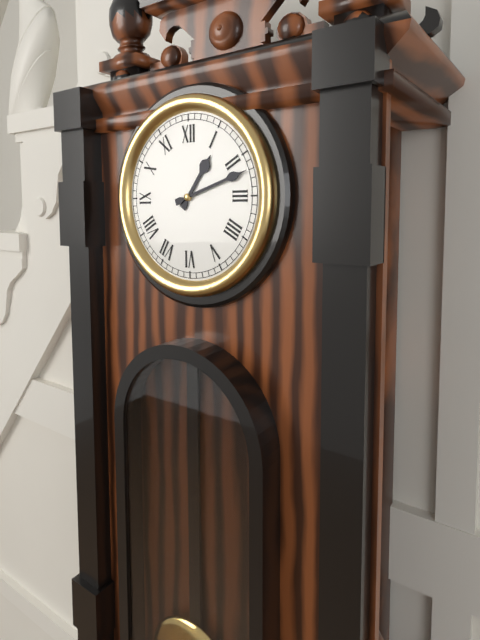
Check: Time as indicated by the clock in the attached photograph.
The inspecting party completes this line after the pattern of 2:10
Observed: 1:12
